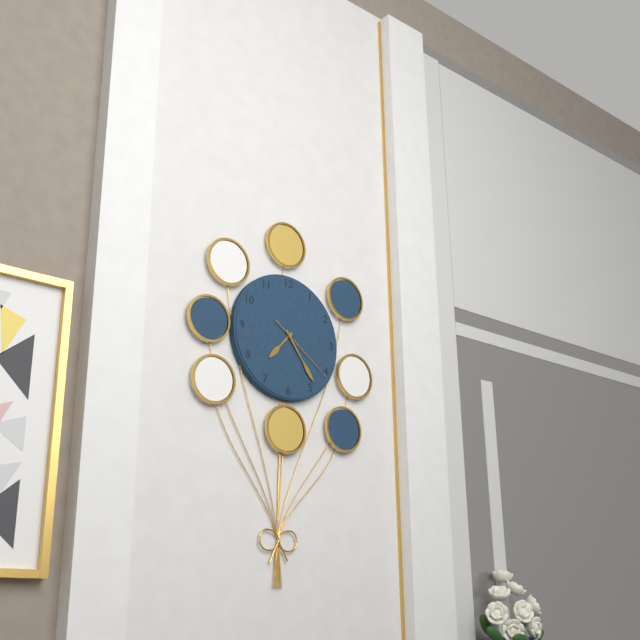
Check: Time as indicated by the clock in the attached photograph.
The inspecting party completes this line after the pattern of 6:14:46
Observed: 7:24:21
